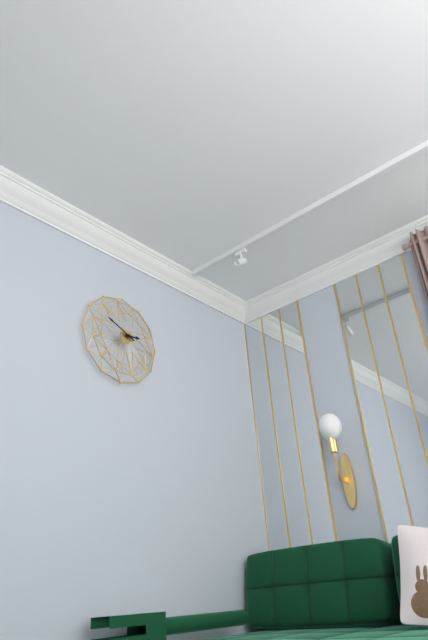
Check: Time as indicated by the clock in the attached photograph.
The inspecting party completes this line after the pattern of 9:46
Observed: 2:49
